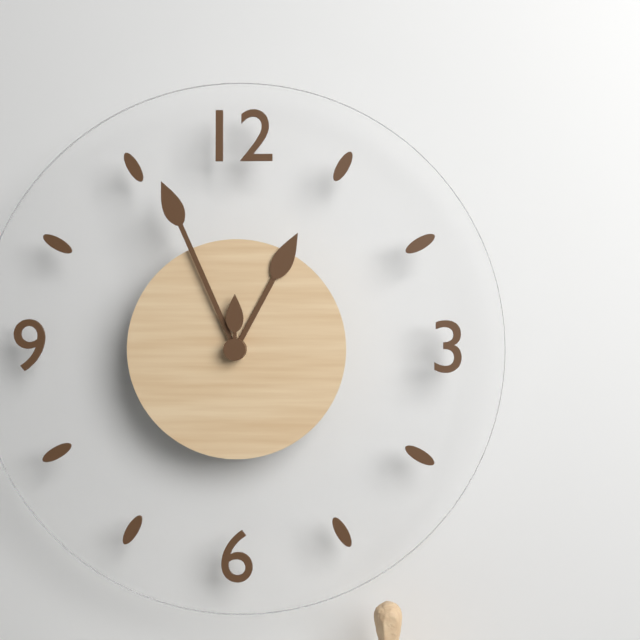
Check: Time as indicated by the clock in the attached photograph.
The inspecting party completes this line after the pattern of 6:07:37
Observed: 12:56:00
